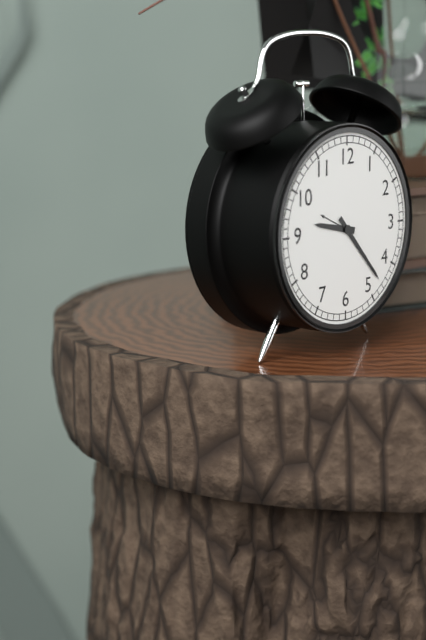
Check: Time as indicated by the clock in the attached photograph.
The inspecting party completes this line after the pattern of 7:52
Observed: 9:23
